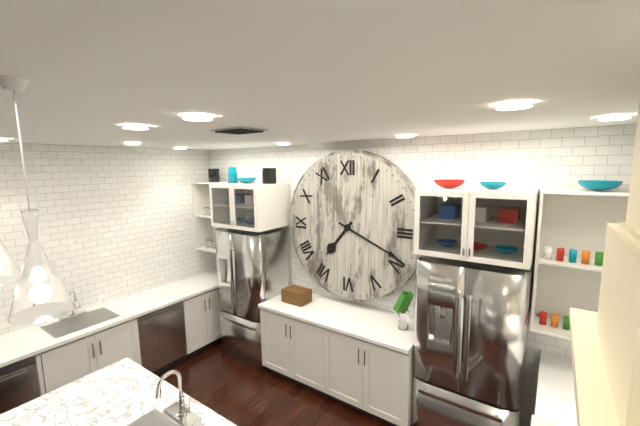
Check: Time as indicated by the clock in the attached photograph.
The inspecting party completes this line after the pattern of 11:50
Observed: 7:19
